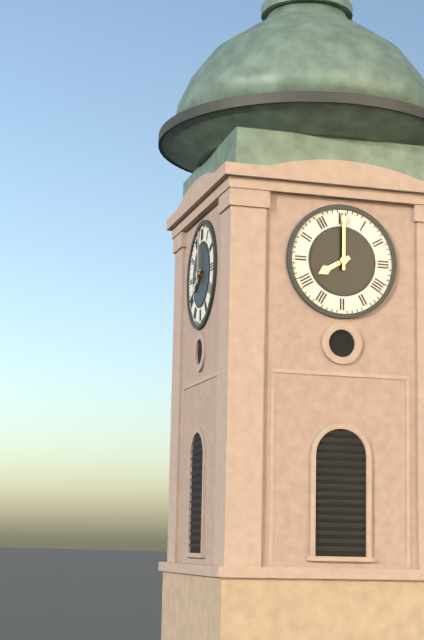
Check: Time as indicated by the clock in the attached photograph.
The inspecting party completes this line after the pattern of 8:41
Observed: 8:00
